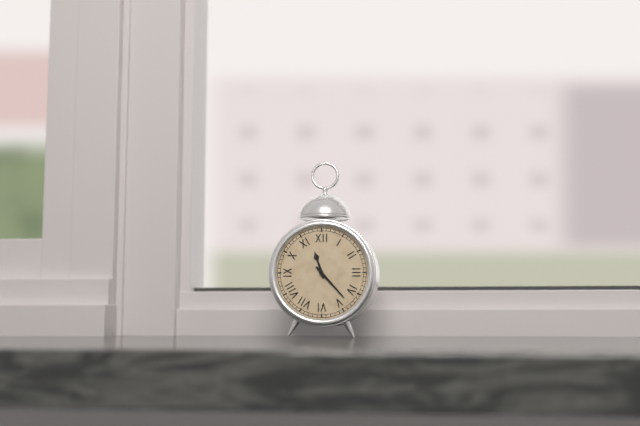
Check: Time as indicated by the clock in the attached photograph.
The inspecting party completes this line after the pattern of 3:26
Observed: 11:23
